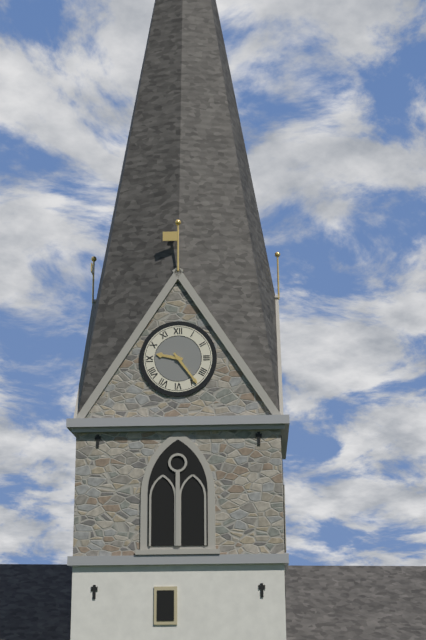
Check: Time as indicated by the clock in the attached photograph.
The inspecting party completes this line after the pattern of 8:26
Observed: 9:24
